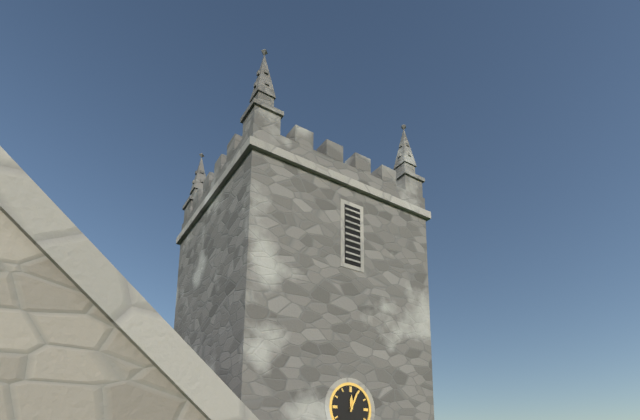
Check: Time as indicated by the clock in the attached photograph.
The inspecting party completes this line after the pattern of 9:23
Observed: 12:04
